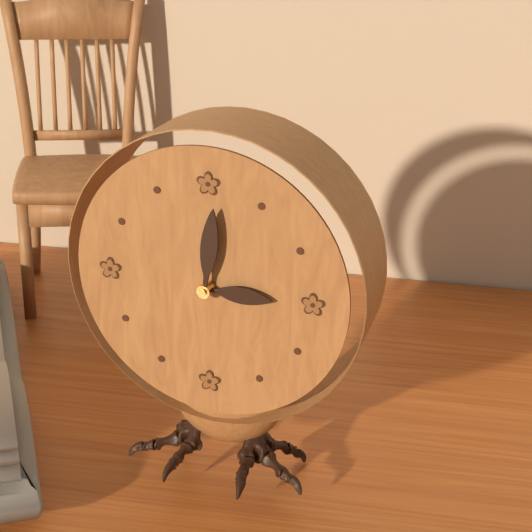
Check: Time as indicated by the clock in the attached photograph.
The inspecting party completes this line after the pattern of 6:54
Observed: 3:01
